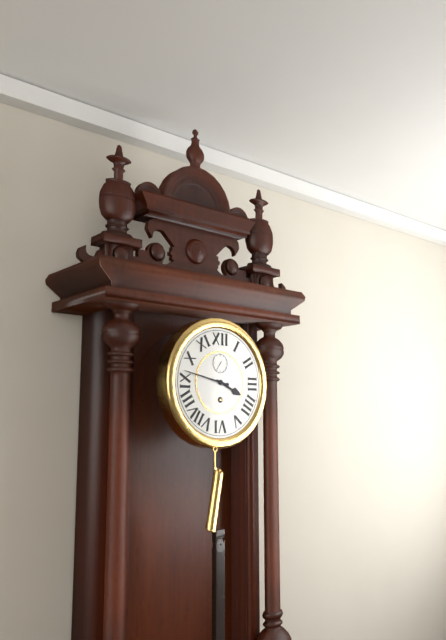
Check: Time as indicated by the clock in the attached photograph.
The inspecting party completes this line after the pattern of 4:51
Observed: 3:47
